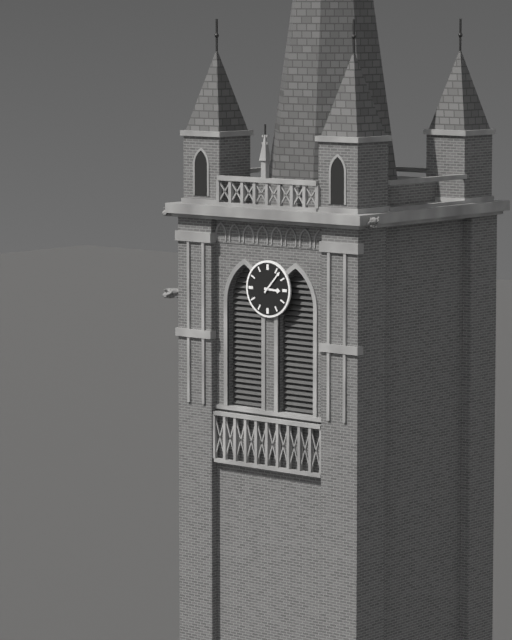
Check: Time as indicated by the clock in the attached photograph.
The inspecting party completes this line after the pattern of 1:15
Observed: 3:07
